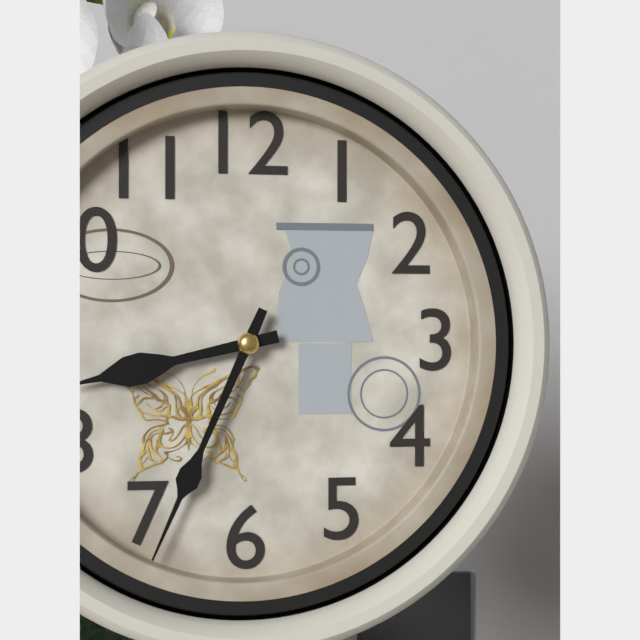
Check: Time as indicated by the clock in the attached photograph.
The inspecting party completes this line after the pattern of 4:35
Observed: 8:34
